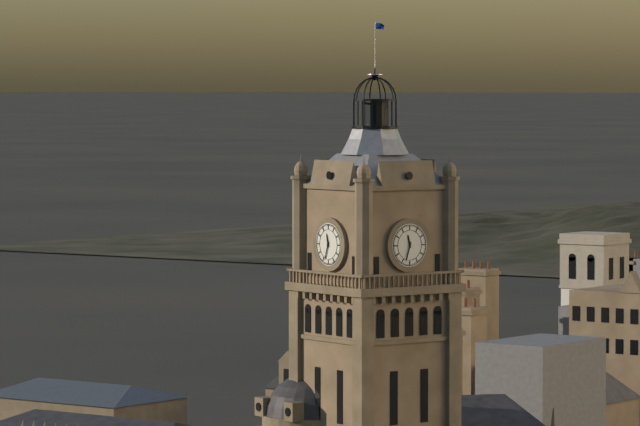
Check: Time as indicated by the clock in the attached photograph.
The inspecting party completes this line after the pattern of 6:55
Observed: 11:33
